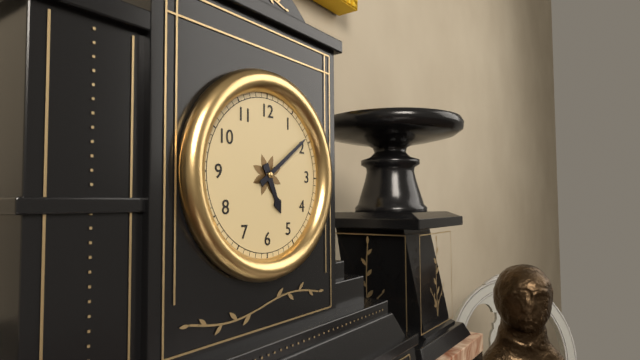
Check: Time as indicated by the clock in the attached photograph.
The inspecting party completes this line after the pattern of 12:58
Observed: 5:09
